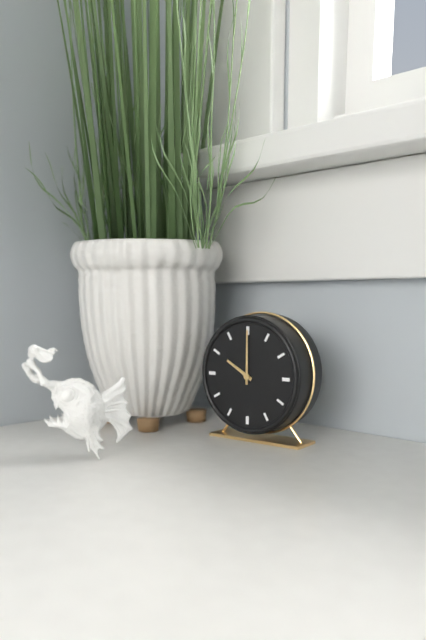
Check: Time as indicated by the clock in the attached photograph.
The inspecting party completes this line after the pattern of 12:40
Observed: 10:00
